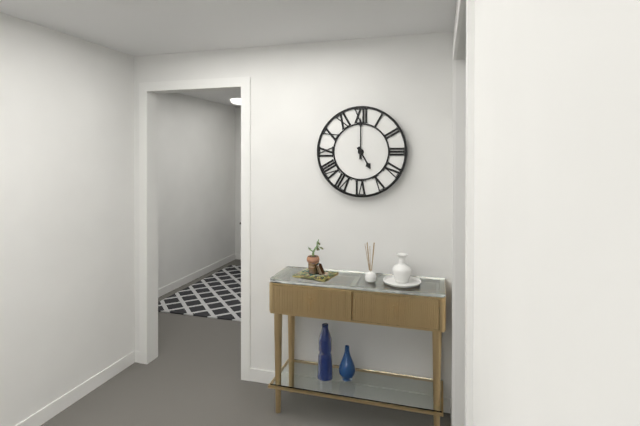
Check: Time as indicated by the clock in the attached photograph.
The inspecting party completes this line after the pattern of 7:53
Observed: 5:00
